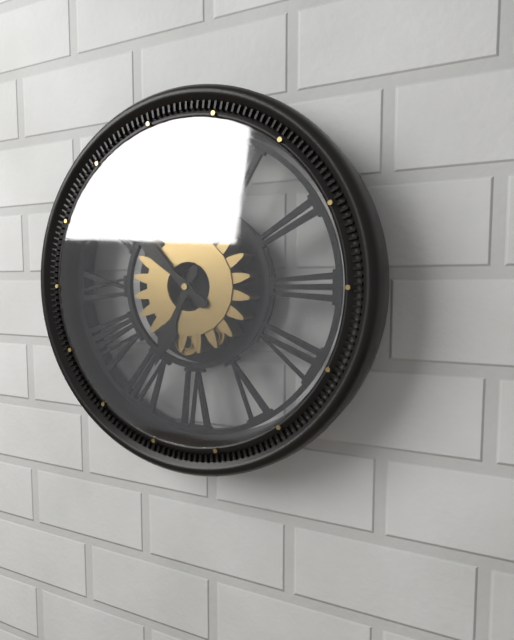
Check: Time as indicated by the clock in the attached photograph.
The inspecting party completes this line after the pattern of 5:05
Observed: 6:52
